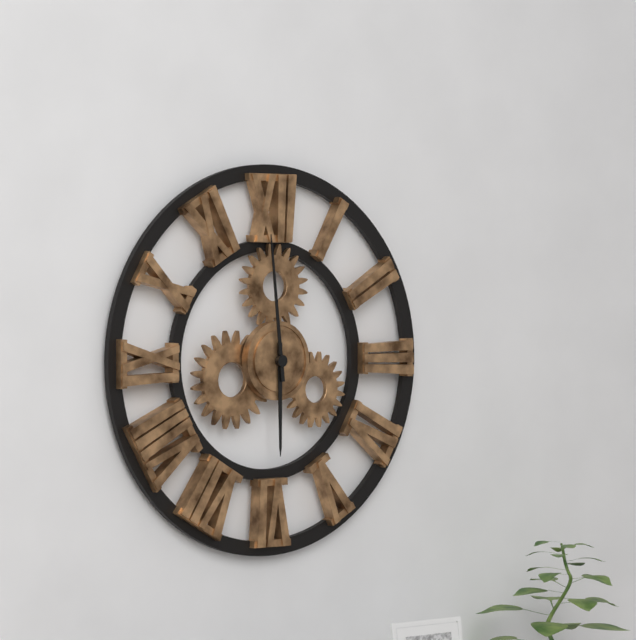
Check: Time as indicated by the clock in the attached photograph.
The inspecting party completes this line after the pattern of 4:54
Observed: 5:59
